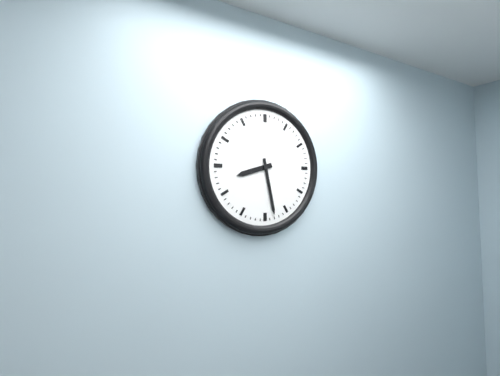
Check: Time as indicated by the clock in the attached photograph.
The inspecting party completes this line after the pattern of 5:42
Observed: 8:28
